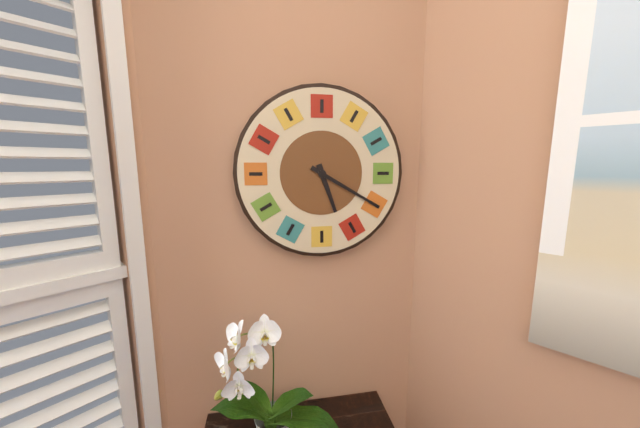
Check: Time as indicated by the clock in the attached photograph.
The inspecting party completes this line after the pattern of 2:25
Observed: 5:20
